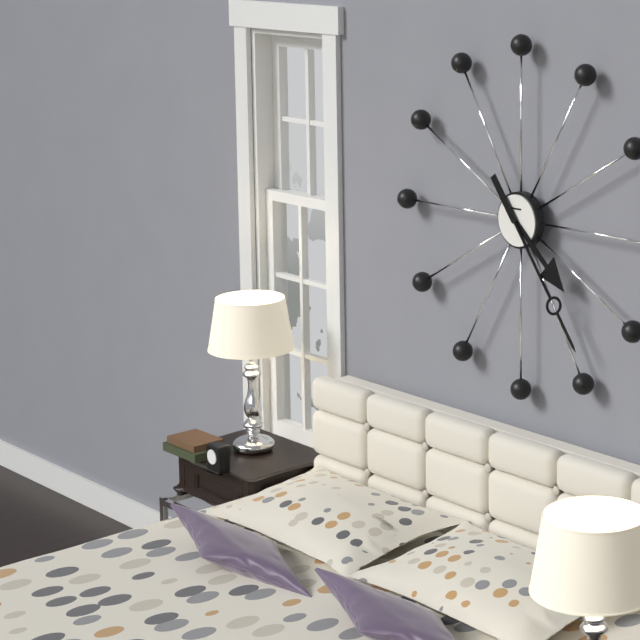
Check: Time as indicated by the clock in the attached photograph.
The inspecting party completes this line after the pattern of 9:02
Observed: 4:24
